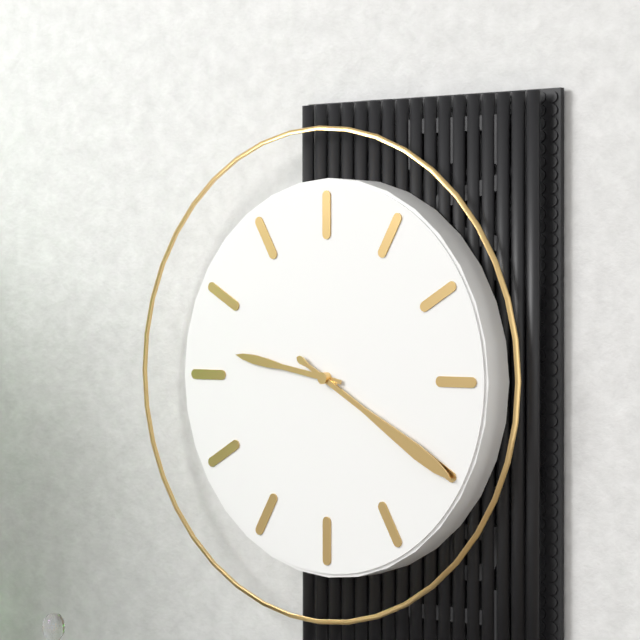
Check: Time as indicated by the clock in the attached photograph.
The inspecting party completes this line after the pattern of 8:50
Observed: 9:20
